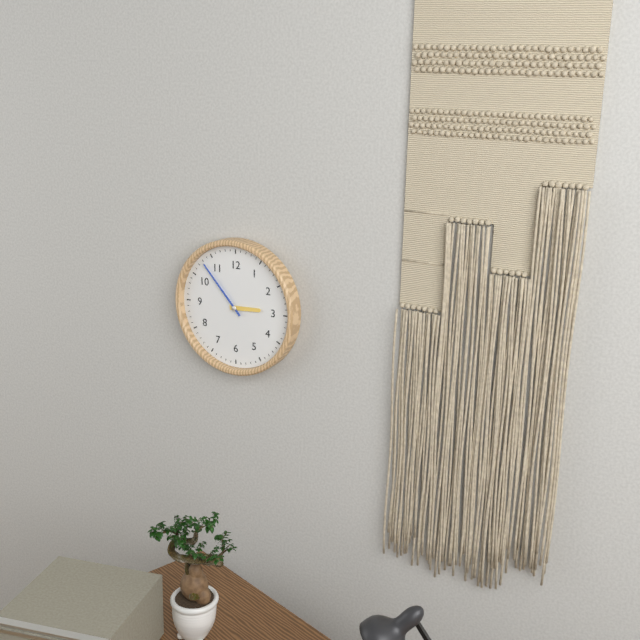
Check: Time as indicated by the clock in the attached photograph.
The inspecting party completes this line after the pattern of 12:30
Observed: 2:53
